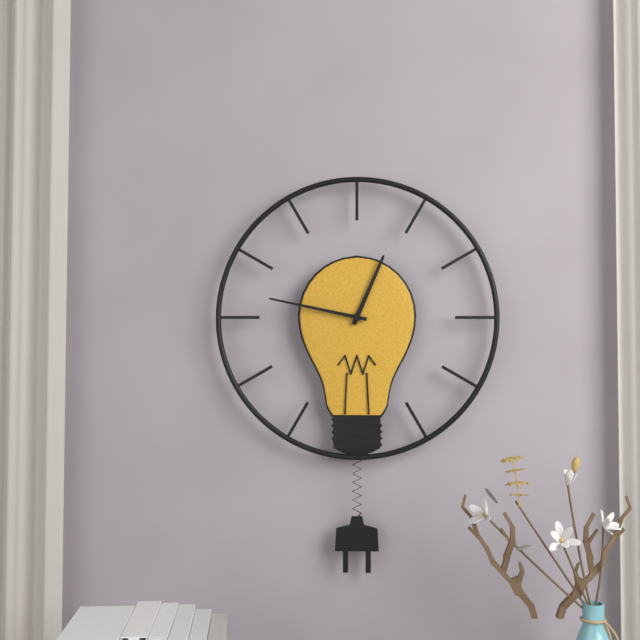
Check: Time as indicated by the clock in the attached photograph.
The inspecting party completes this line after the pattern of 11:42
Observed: 12:47
